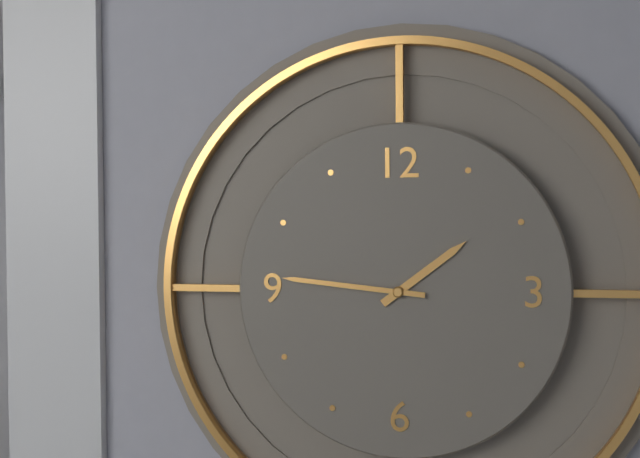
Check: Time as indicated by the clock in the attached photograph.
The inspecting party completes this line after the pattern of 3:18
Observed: 1:46
